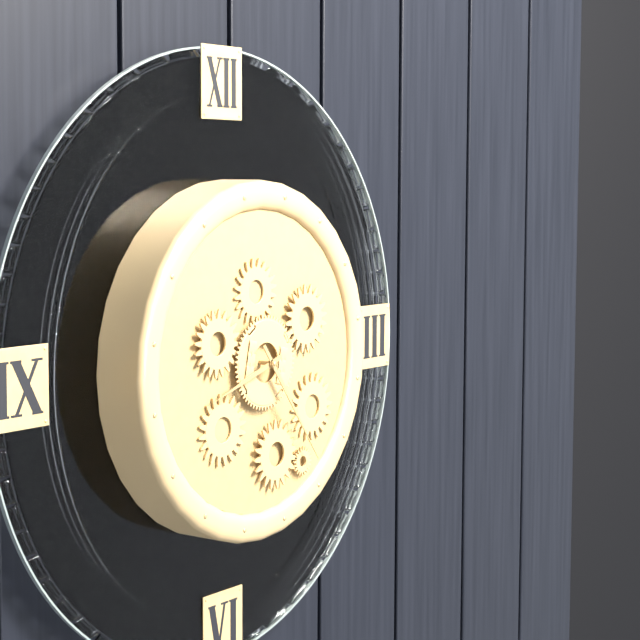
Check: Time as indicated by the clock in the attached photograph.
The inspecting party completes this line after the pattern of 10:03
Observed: 8:24
